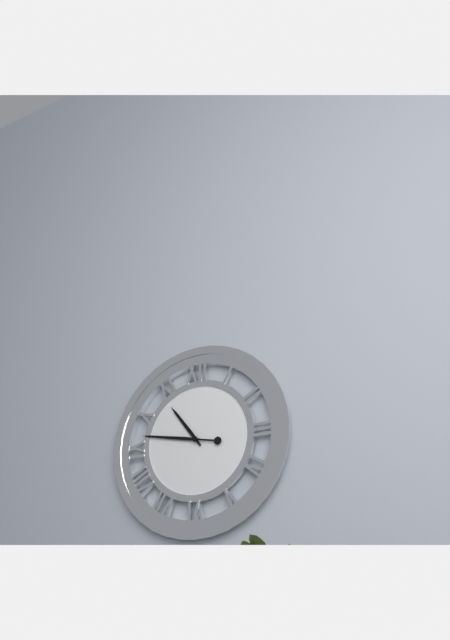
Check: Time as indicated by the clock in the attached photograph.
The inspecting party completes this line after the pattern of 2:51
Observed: 10:47
